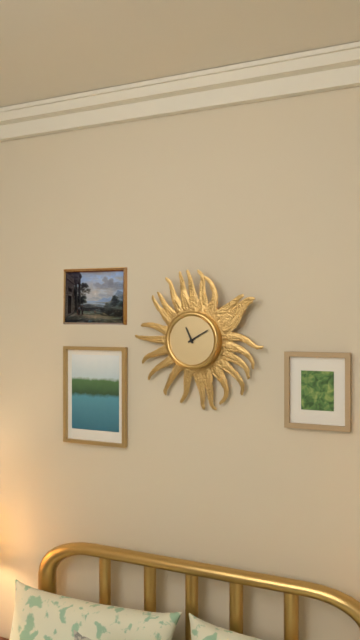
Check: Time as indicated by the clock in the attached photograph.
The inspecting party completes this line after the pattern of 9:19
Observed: 11:10
